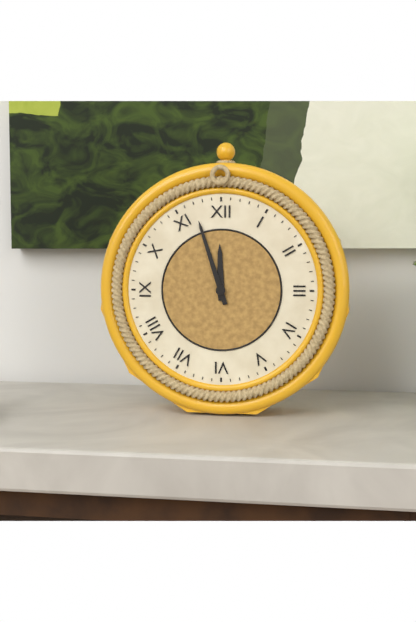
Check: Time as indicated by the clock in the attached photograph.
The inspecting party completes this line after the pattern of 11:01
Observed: 11:57
